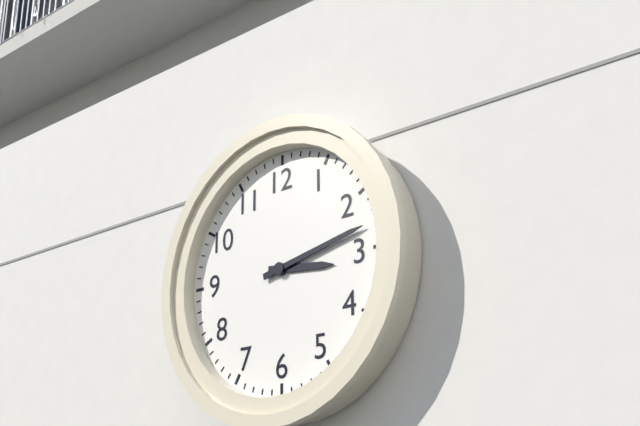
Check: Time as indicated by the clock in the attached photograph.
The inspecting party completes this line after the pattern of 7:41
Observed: 3:13
